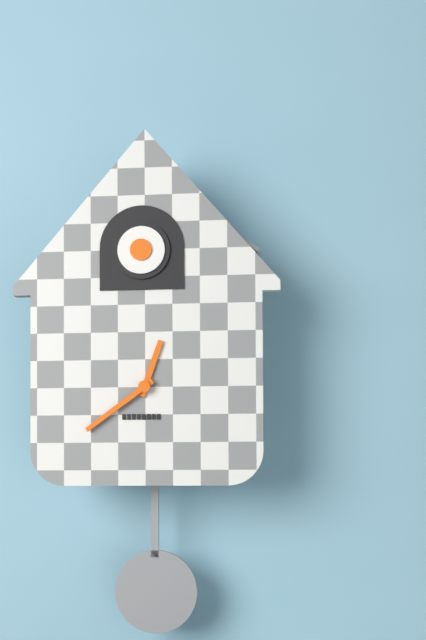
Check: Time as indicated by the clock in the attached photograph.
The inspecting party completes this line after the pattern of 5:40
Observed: 12:39
